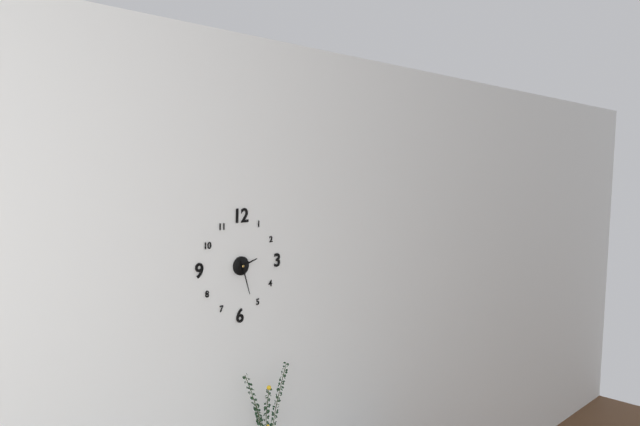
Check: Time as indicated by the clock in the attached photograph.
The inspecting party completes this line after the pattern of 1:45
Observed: 2:27
